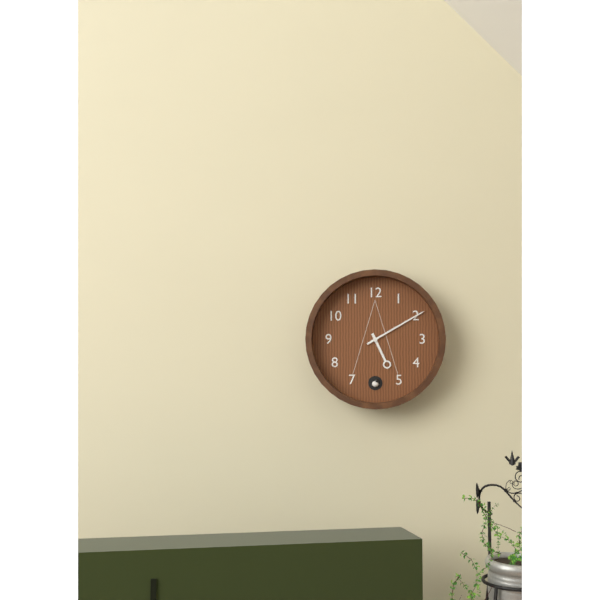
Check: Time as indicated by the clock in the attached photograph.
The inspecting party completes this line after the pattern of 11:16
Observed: 5:10
